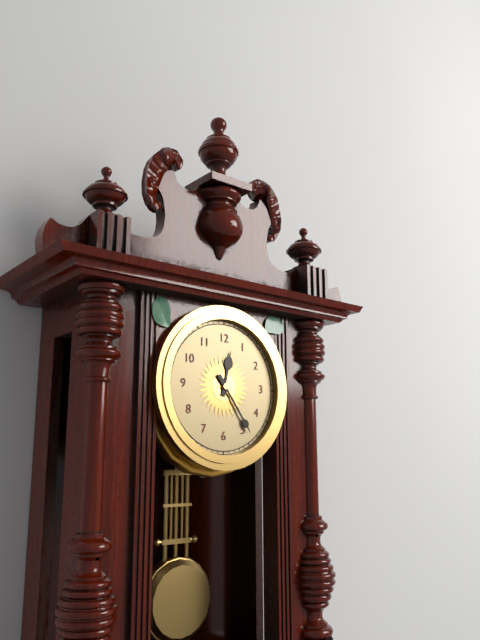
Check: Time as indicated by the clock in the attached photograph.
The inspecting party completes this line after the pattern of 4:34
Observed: 12:24
